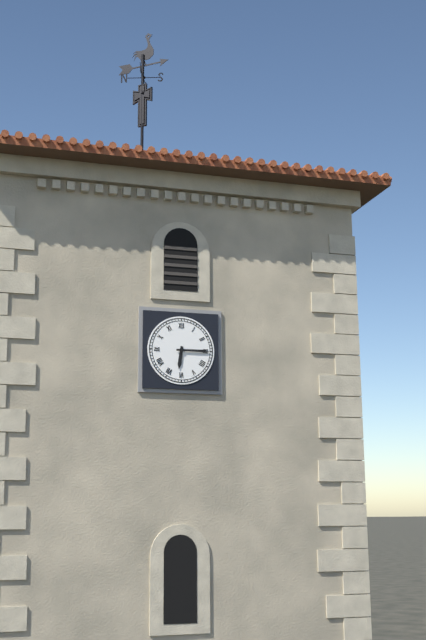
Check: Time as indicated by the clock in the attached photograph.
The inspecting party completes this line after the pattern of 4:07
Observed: 6:15
